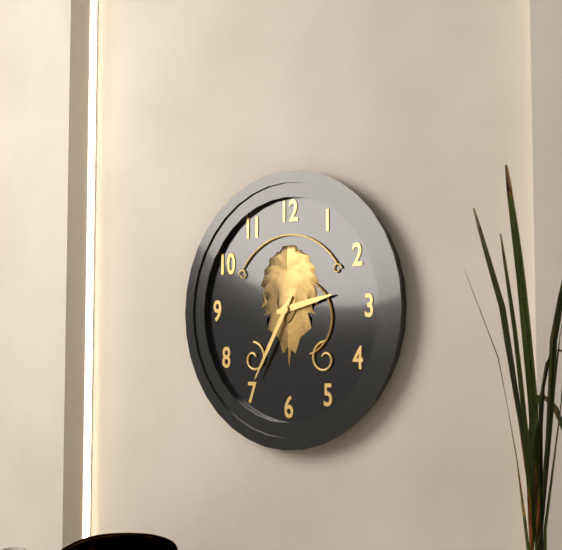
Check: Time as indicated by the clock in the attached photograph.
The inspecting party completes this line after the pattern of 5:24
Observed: 2:35
